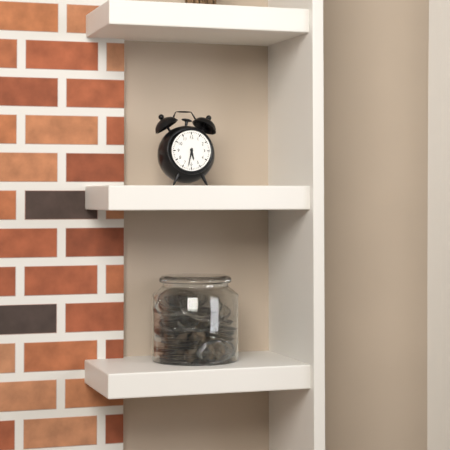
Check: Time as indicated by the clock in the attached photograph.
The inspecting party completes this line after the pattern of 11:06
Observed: 5:32
